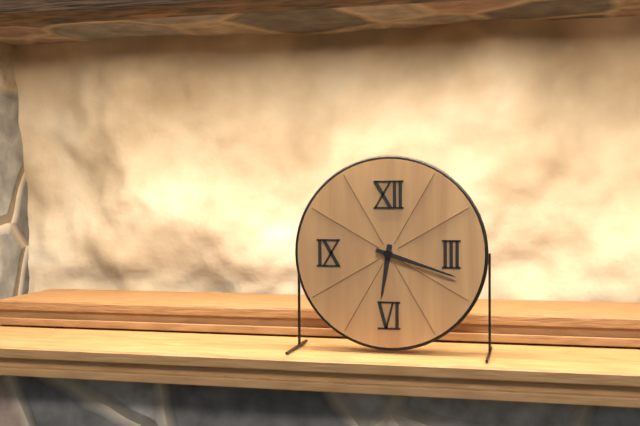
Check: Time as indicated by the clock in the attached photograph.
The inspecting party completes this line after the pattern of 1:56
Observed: 6:18
